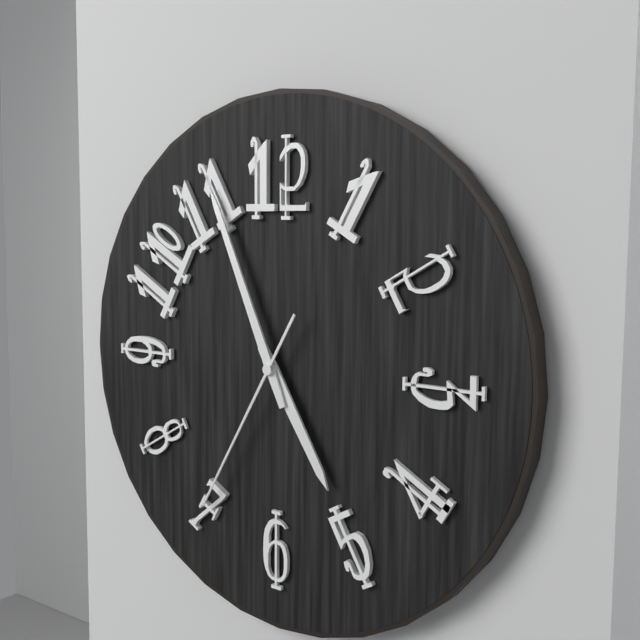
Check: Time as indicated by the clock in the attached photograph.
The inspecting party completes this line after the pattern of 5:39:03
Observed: 4:56:35
